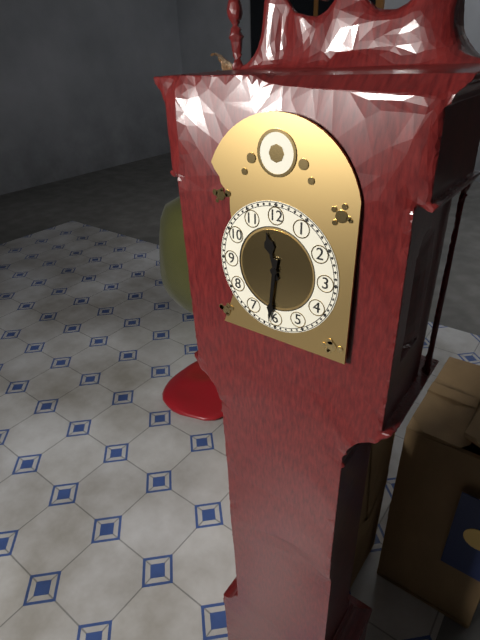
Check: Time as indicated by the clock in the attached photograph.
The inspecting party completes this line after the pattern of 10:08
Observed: 11:31
